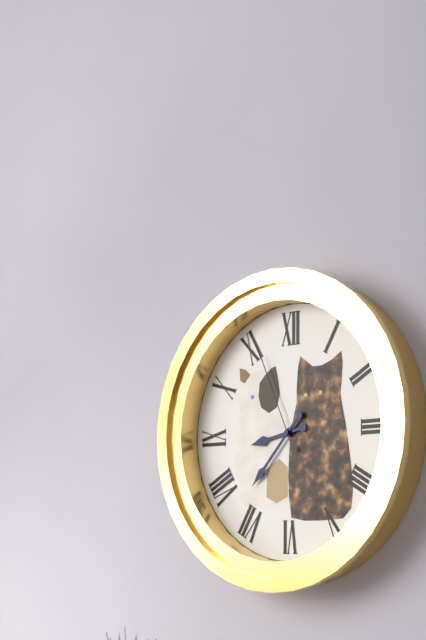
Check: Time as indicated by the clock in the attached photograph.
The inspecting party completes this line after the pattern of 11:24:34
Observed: 8:37:56
